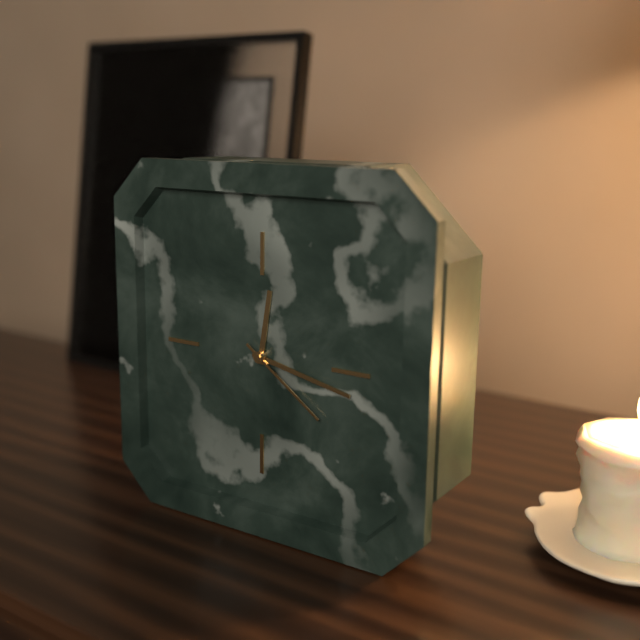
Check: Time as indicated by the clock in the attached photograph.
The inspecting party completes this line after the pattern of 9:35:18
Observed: 12:17:21
